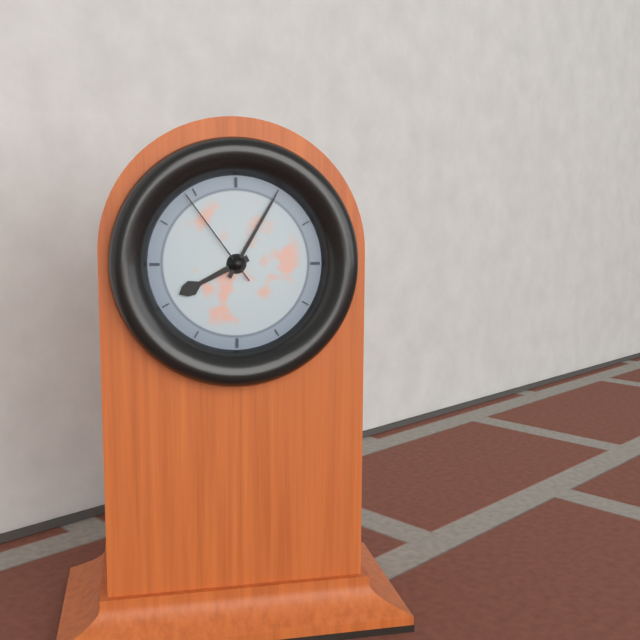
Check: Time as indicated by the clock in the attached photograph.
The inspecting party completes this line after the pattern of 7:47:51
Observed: 8:05:54
